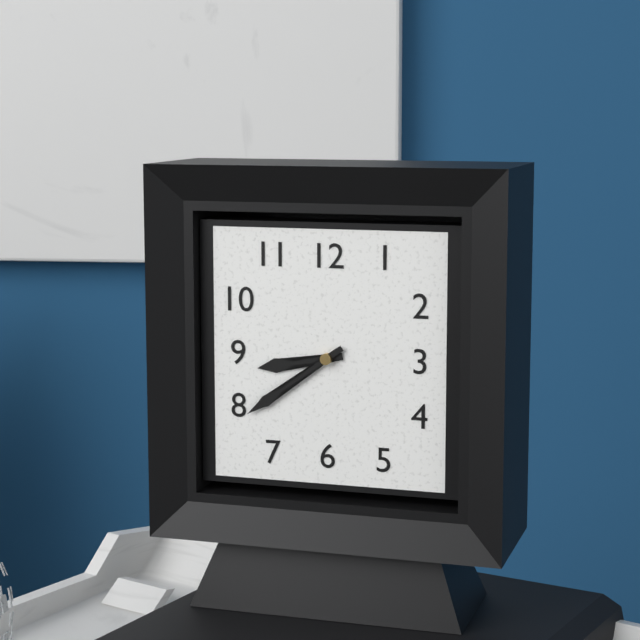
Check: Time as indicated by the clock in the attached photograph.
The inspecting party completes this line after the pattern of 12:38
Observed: 8:39
